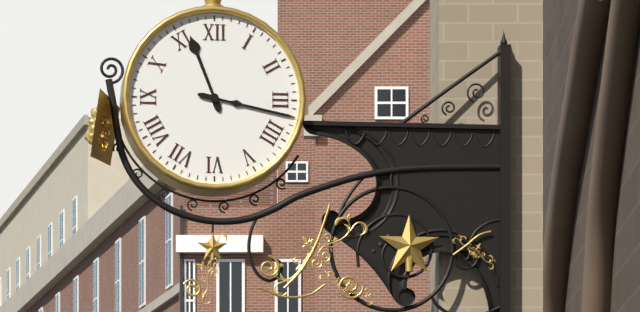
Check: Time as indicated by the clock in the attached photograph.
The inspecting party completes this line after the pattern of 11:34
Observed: 11:17
